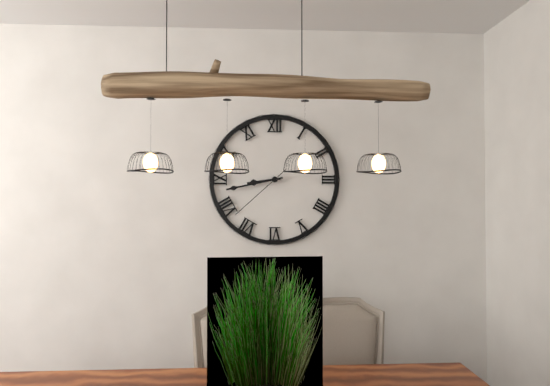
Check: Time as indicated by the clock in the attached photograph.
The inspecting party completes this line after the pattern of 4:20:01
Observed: 8:43:38
